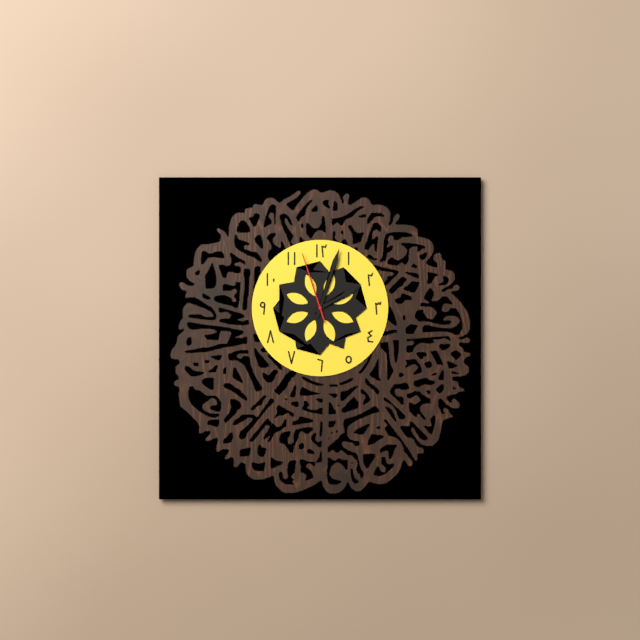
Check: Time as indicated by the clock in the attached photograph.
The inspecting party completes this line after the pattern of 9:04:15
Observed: 2:03:57
